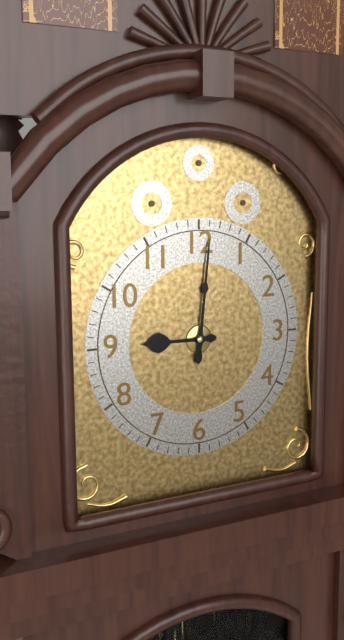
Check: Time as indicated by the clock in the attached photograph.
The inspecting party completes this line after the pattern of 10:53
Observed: 9:01
